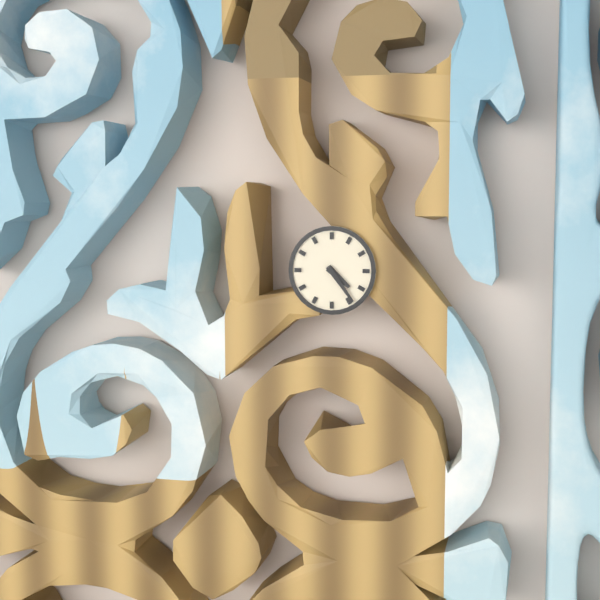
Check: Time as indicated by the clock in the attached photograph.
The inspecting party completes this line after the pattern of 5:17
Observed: 4:24
